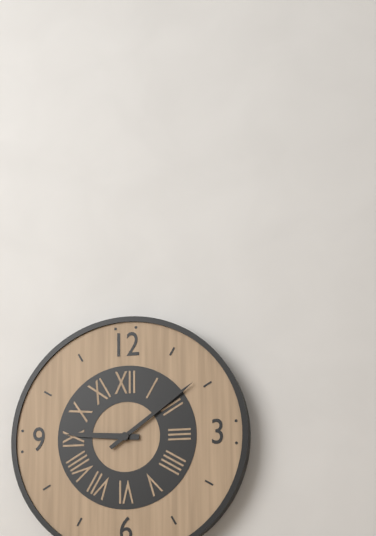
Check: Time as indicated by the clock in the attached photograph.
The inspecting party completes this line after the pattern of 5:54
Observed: 9:09
